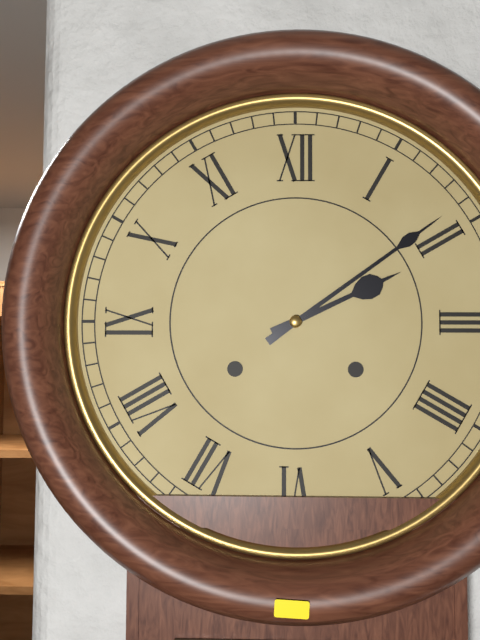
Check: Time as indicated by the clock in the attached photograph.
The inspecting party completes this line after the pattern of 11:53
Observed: 2:09
